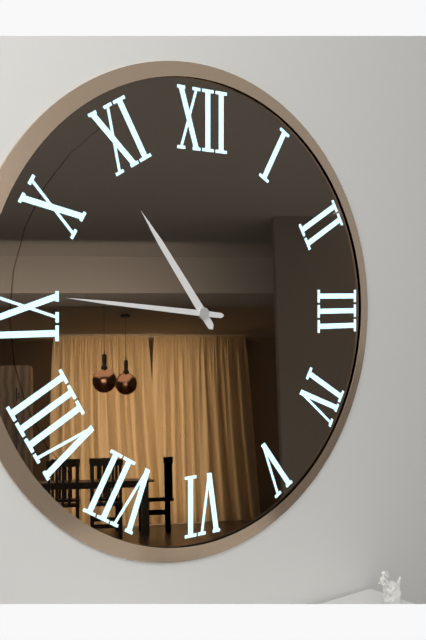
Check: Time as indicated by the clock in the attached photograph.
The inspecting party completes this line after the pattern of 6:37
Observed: 10:46
